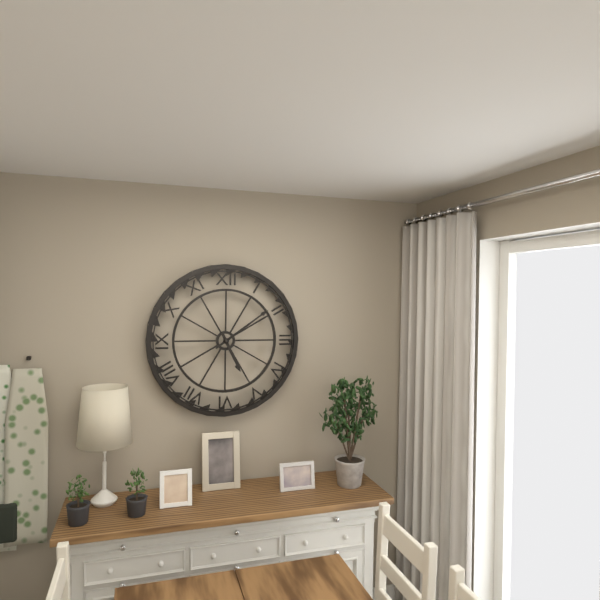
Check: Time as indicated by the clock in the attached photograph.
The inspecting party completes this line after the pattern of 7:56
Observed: 5:09
